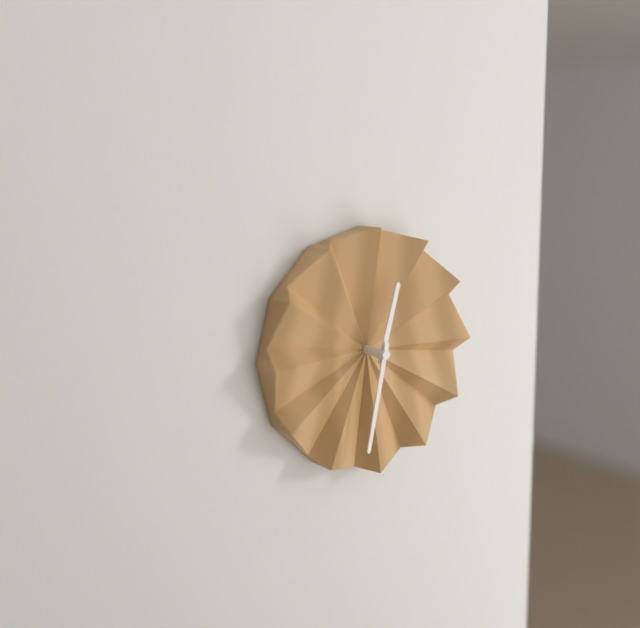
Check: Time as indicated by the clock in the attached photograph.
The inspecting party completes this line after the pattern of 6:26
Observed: 12:32
